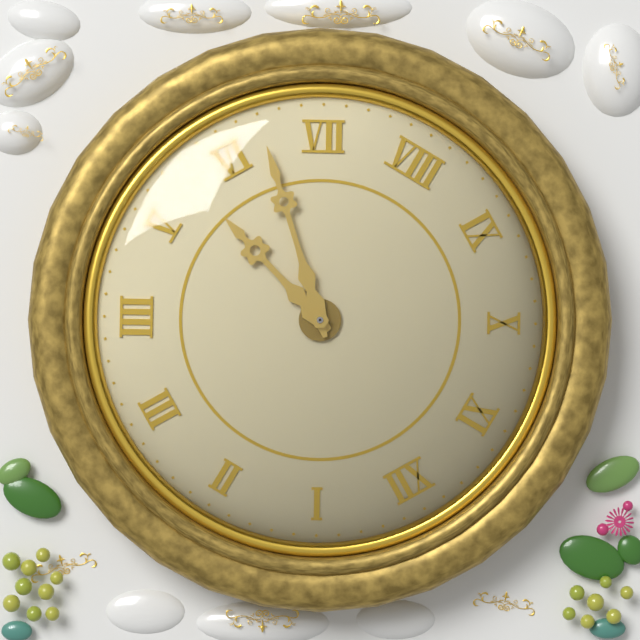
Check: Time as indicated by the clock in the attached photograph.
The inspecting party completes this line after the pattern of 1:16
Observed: 5:32
